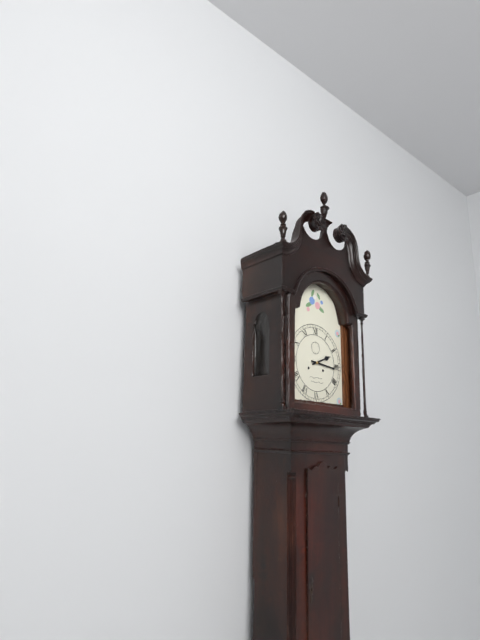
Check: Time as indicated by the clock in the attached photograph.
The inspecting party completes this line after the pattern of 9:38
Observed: 2:16
